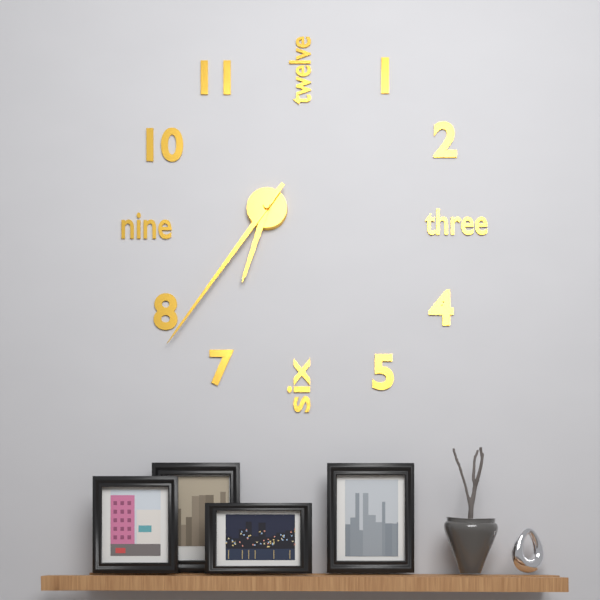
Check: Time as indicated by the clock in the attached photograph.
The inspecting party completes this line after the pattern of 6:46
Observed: 6:36
